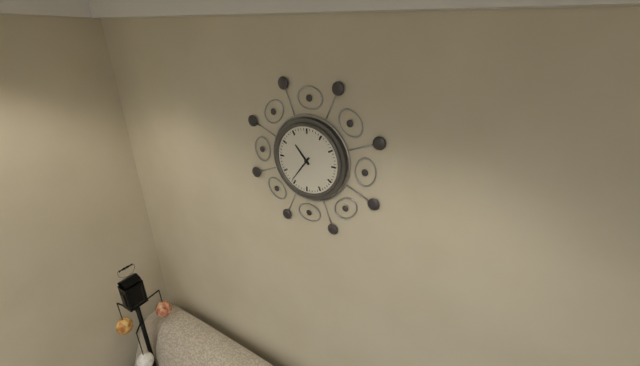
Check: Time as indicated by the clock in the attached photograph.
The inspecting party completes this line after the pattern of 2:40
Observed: 10:36
